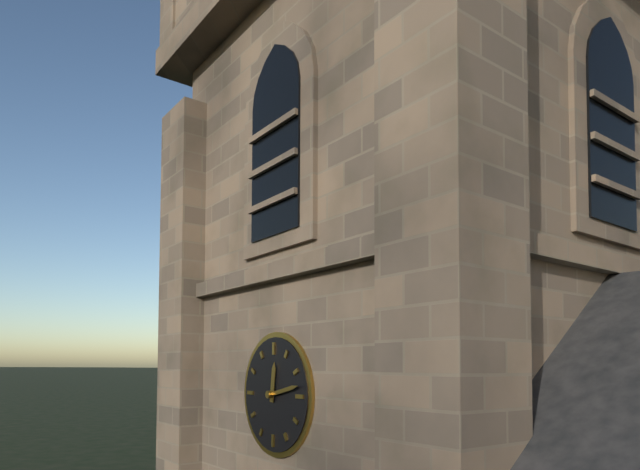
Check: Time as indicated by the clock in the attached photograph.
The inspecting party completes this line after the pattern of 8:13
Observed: 12:13
